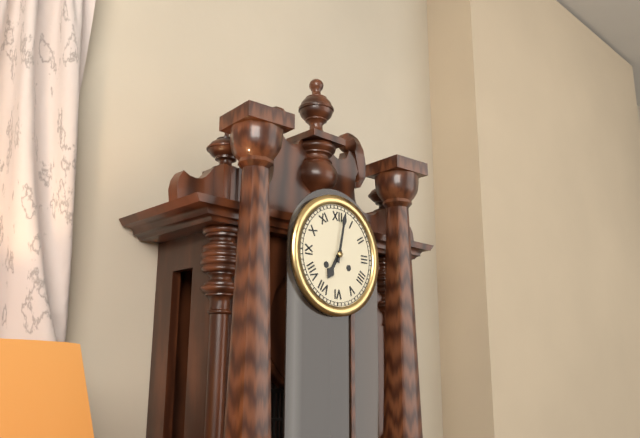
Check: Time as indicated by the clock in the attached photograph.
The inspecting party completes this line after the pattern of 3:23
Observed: 7:02
